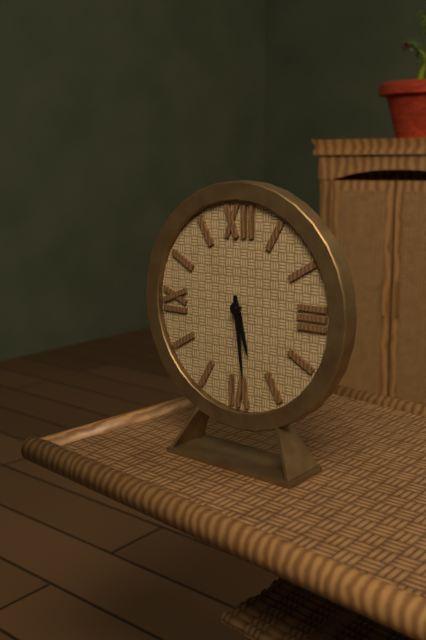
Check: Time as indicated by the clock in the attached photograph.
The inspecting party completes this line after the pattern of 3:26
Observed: 5:29
